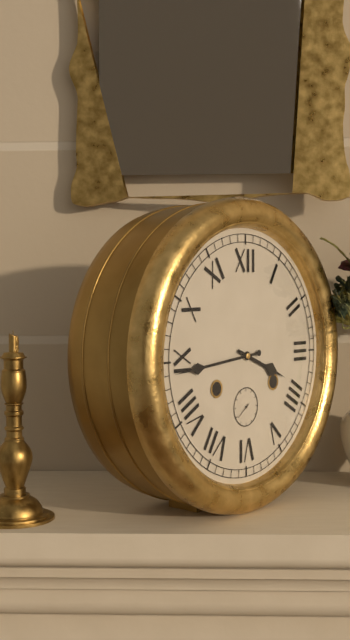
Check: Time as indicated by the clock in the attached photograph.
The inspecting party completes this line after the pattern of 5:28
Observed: 3:44
